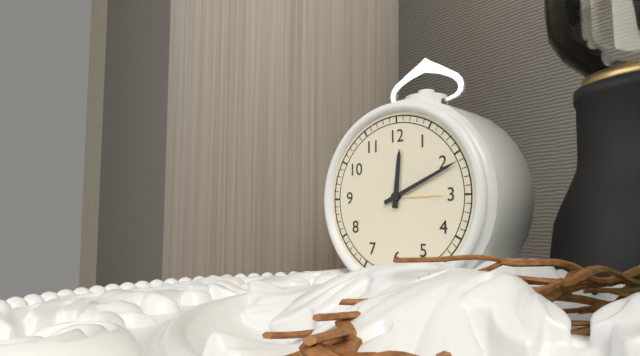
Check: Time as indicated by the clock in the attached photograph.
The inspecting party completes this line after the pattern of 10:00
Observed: 12:11
